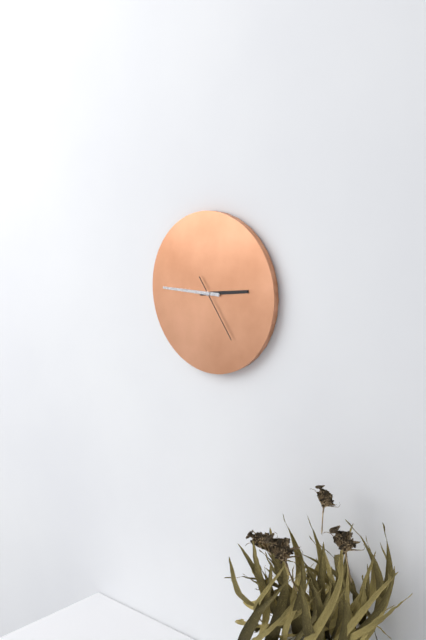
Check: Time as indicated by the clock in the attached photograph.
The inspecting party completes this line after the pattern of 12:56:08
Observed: 2:45:24
